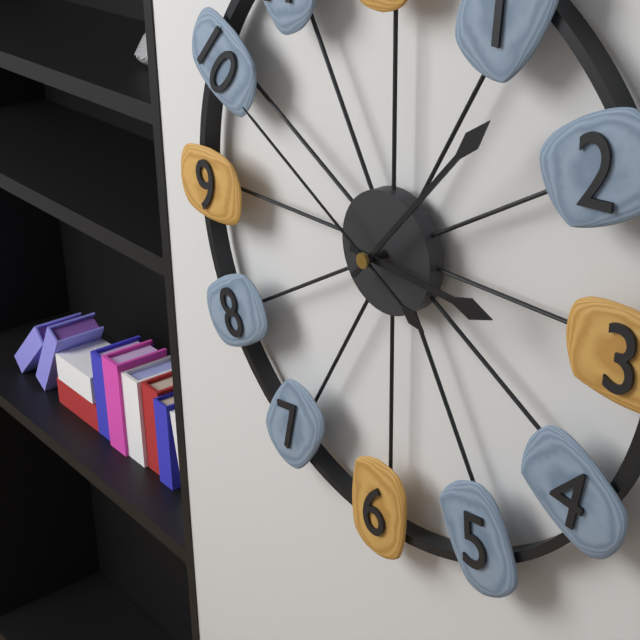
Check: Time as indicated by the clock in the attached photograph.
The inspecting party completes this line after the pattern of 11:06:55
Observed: 3:07:50
